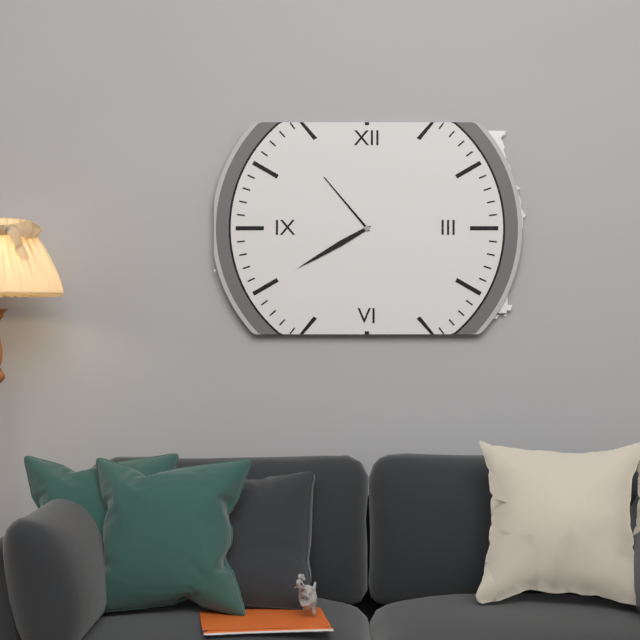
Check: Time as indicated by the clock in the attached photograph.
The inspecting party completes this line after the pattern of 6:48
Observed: 10:40
